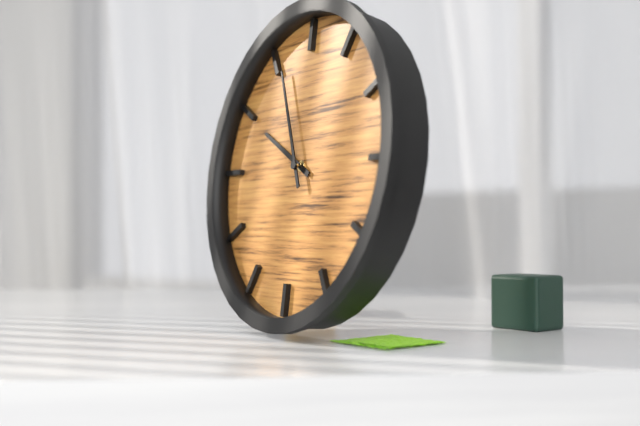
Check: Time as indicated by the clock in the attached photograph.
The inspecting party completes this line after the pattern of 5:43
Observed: 9:56
